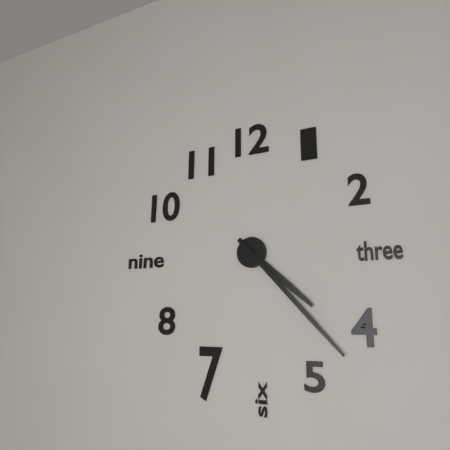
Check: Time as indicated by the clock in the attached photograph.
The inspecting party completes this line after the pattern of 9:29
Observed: 4:23
